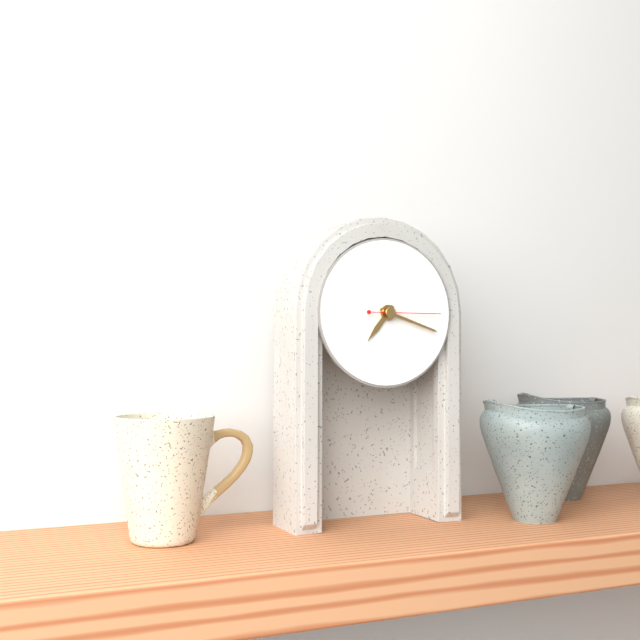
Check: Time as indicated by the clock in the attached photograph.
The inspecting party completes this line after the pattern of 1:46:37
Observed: 7:18:15
